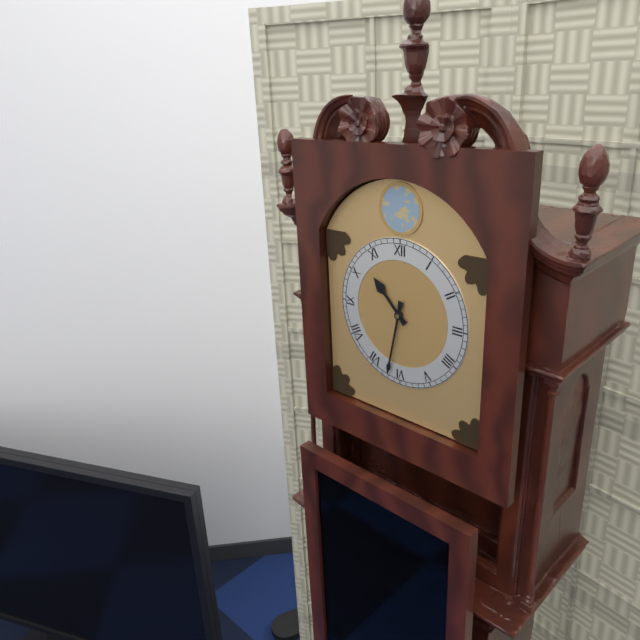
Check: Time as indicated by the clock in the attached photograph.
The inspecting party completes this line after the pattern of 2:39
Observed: 10:32
